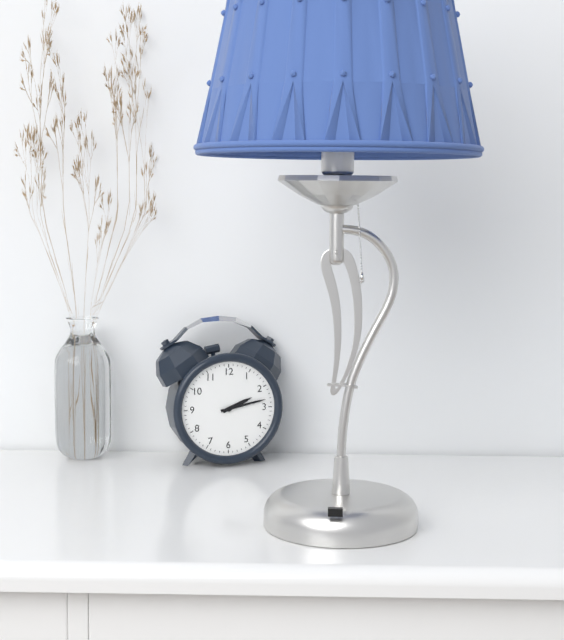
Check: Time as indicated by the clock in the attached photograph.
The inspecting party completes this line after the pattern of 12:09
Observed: 2:13
